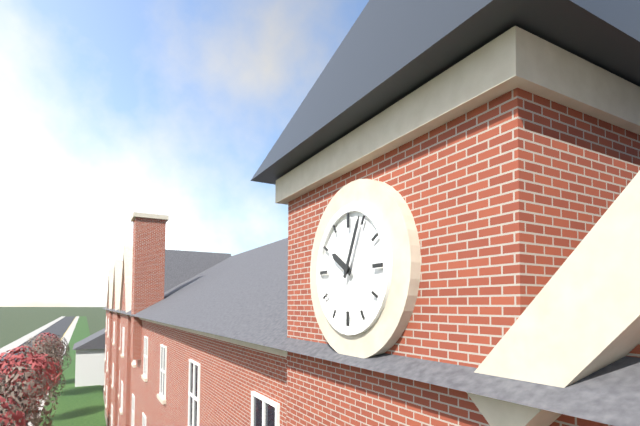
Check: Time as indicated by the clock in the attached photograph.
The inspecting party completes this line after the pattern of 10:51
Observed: 10:04
